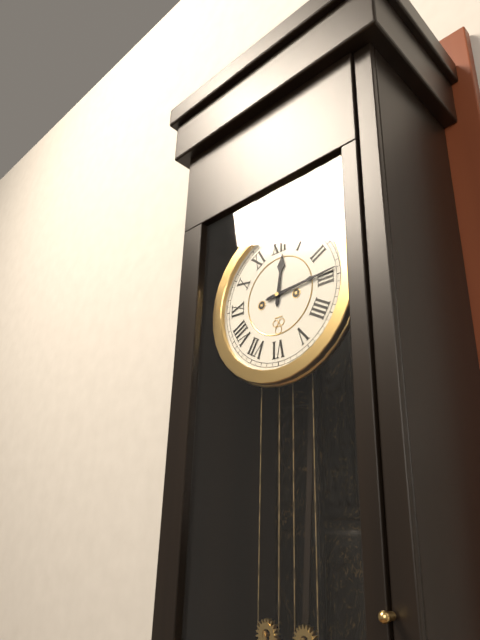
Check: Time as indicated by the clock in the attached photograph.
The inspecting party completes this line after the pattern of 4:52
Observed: 12:14
